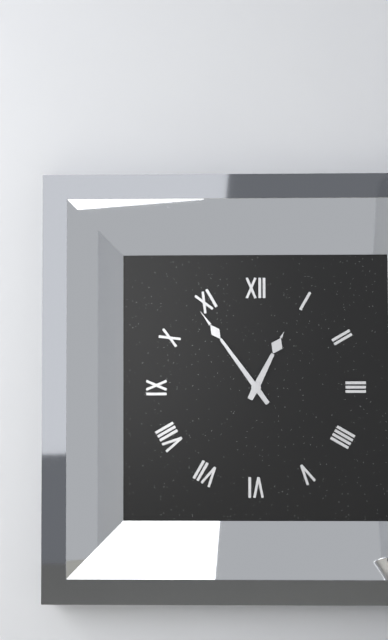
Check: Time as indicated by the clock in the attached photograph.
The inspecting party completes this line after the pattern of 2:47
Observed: 12:54
